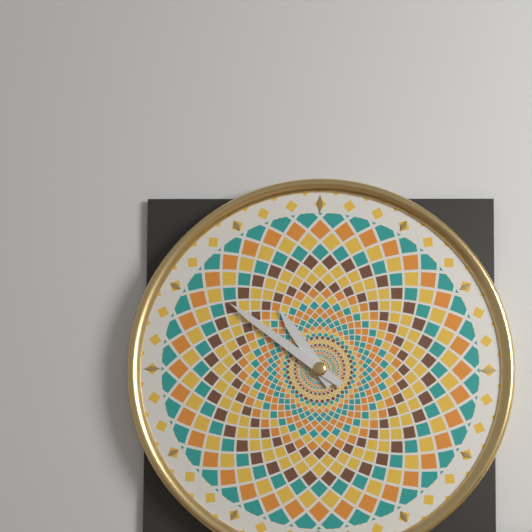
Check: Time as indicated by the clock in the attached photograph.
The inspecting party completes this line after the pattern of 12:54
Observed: 10:51
